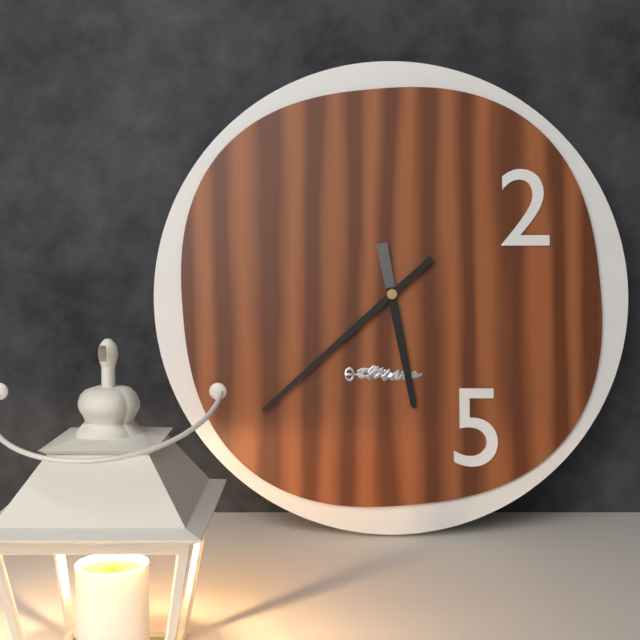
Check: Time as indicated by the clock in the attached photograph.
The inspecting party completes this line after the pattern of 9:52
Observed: 5:38
